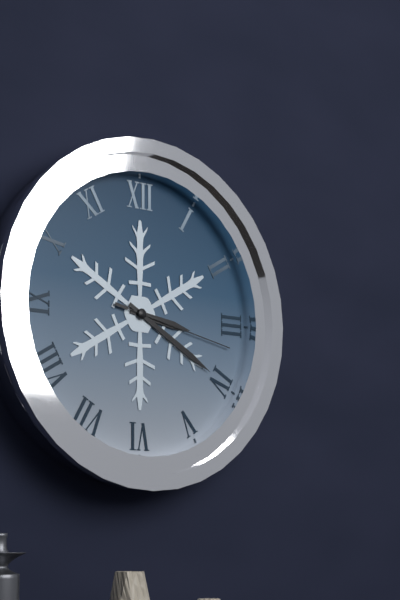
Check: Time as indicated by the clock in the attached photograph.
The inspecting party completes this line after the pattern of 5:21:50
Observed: 3:20:17
